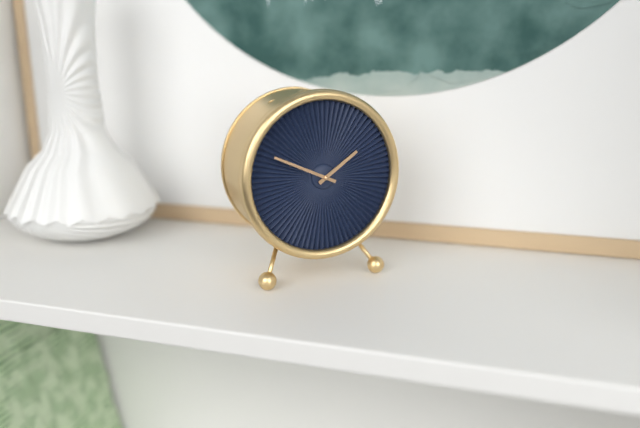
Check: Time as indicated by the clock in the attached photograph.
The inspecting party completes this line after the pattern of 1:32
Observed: 1:49
